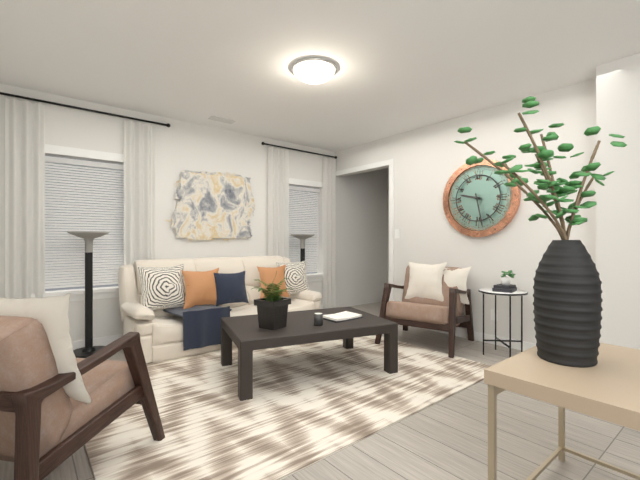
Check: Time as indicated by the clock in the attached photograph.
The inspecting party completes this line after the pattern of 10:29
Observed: 9:28
